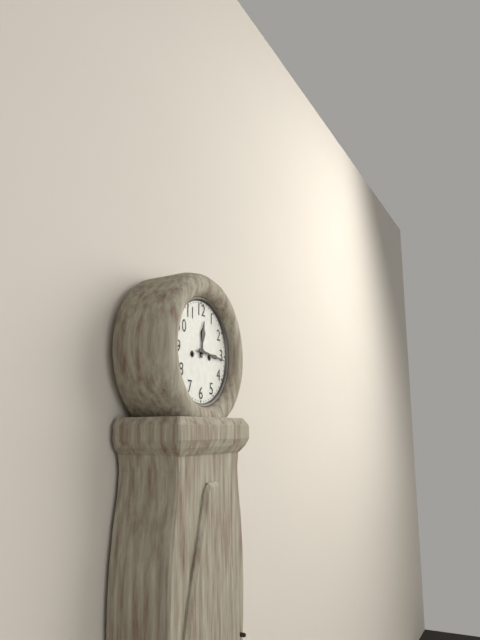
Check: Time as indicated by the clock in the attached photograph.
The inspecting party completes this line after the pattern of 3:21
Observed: 12:16
